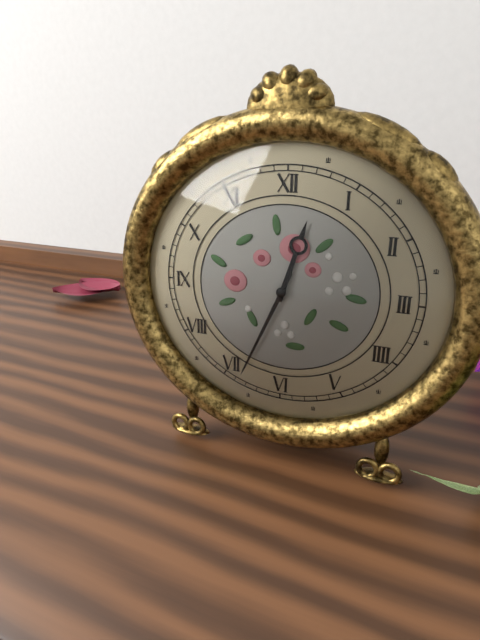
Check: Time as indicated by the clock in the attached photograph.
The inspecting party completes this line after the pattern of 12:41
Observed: 12:34
